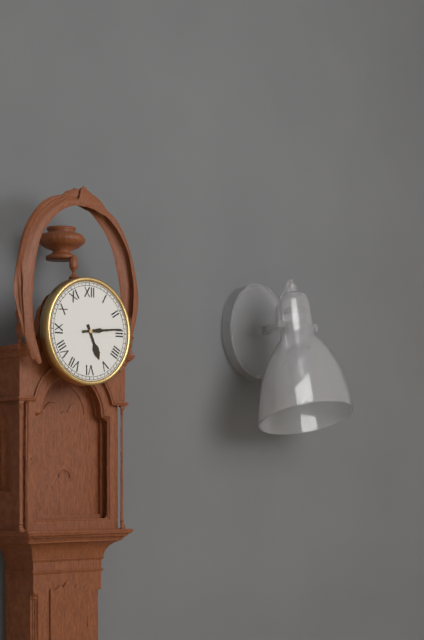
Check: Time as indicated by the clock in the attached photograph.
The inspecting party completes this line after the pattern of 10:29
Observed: 5:14
